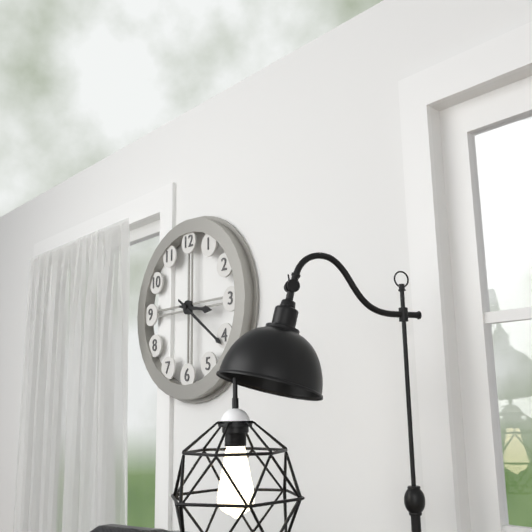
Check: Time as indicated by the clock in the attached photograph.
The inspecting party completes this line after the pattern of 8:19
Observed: 3:21
